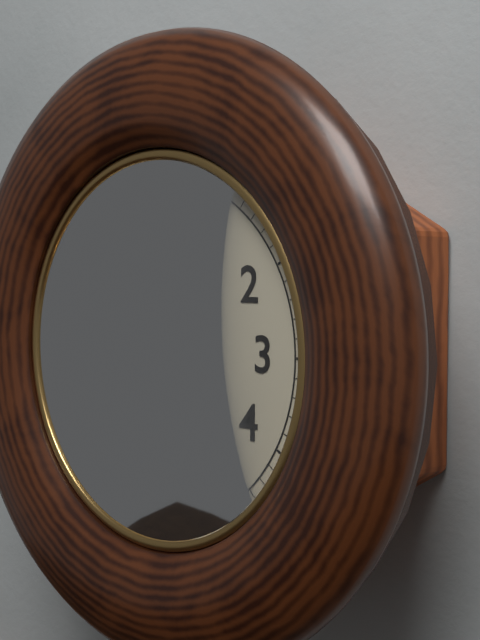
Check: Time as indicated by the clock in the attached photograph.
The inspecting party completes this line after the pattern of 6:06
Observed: 8:53
